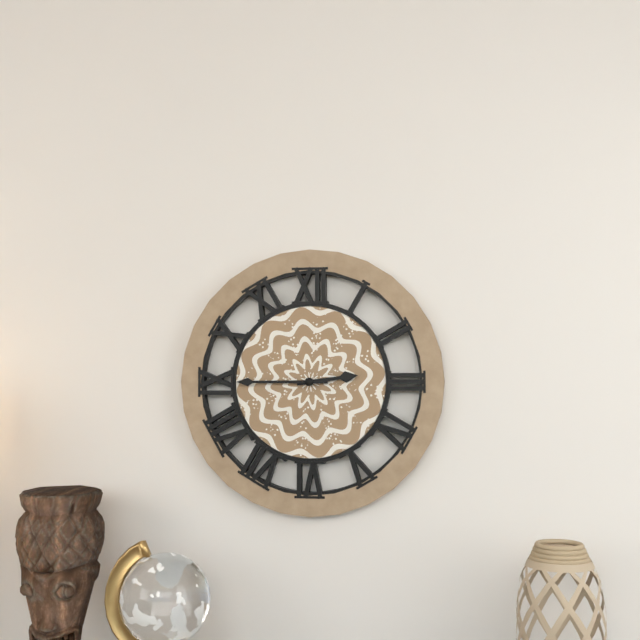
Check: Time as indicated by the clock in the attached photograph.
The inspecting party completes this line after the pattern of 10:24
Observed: 2:45
